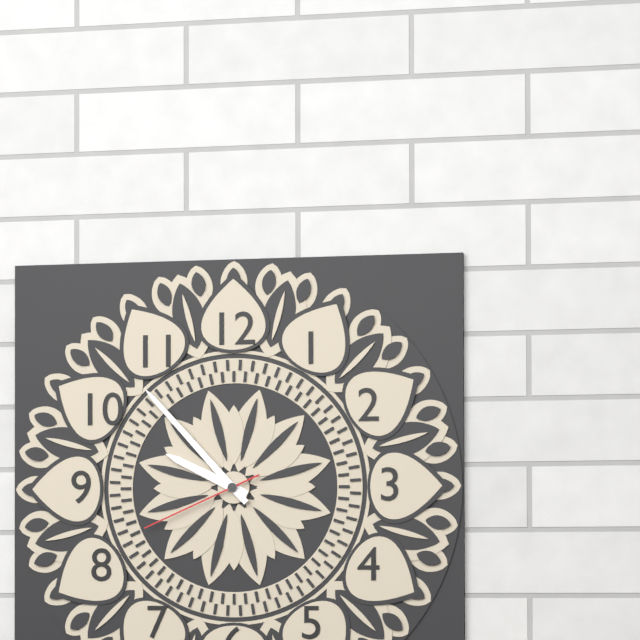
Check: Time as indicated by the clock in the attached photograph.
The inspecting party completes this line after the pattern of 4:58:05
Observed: 9:53:41
